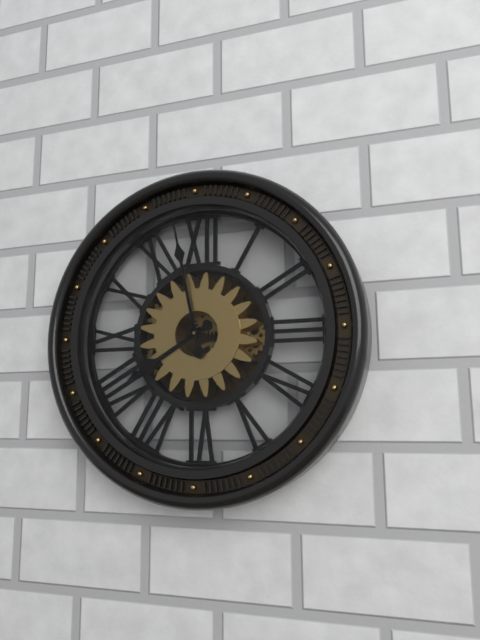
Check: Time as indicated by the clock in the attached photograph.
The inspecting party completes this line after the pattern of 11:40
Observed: 7:58
